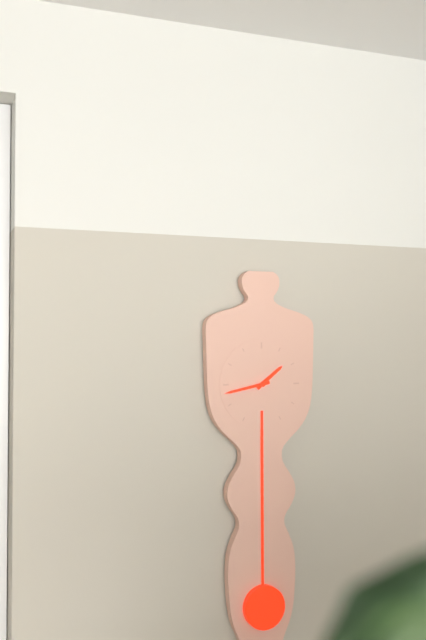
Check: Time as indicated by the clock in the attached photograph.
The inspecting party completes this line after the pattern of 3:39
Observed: 1:43
